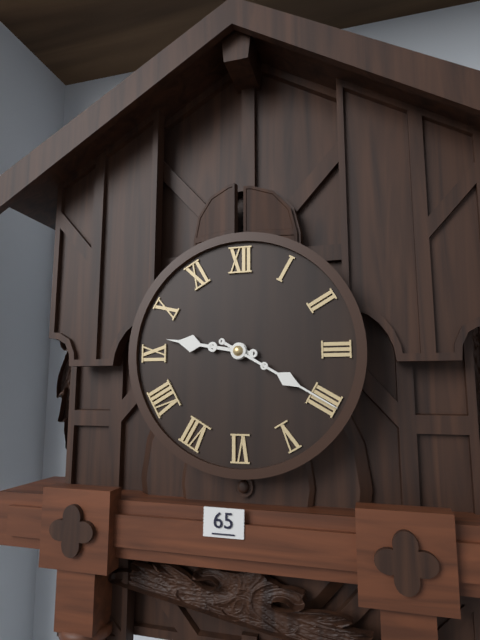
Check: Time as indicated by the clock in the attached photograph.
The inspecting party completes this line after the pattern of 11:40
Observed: 9:20
